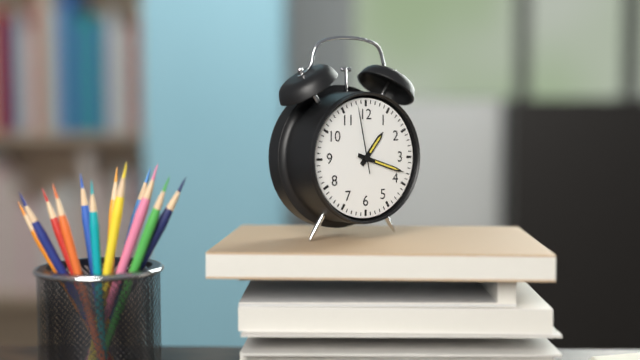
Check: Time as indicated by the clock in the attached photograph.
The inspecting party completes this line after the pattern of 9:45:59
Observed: 1:18:58
